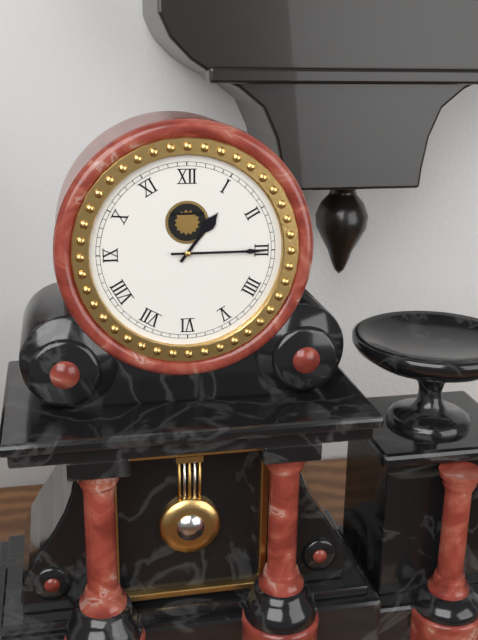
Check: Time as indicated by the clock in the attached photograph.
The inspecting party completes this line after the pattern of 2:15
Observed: 1:15
